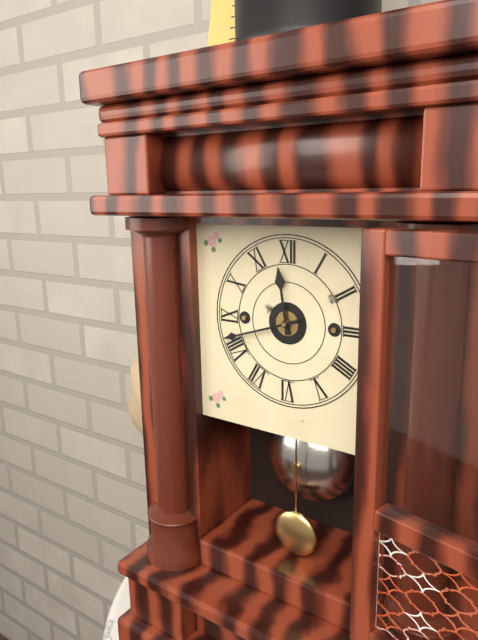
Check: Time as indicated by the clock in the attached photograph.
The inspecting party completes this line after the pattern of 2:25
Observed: 11:42
